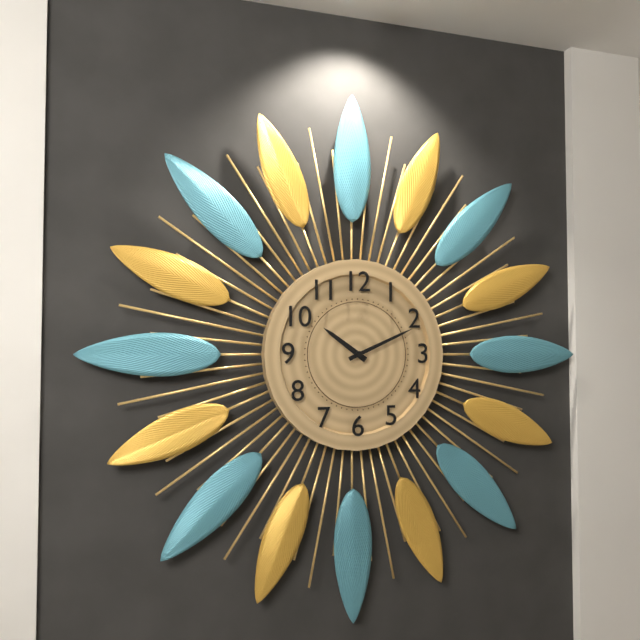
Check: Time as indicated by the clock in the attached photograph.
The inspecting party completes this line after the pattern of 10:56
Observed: 10:11
